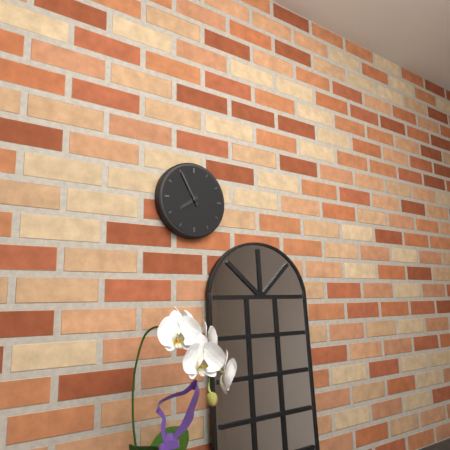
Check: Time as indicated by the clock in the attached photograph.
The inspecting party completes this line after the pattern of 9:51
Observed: 7:55
